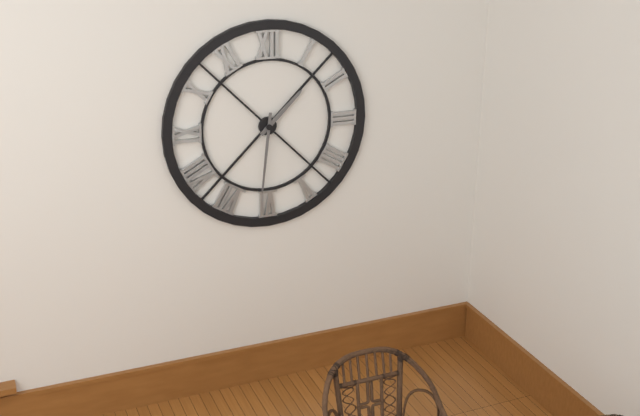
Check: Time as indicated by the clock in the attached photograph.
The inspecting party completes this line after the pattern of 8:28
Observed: 1:31
